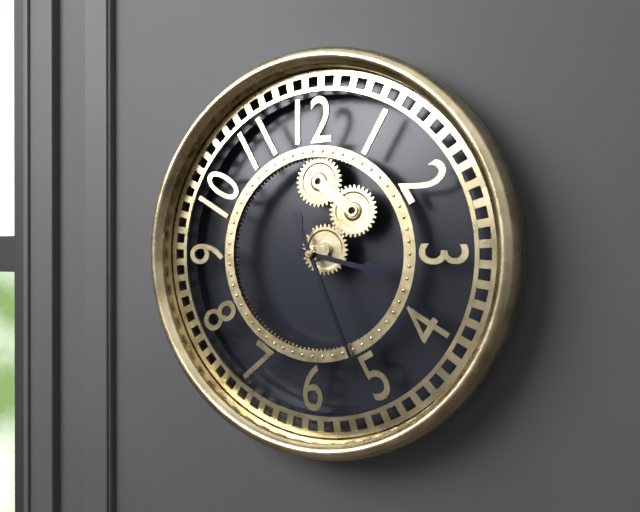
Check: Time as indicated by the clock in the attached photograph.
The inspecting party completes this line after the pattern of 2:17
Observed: 3:26
